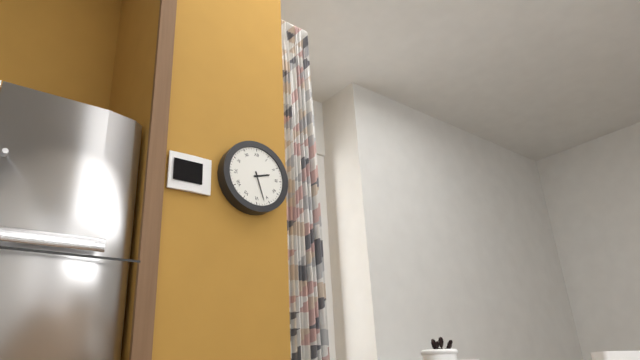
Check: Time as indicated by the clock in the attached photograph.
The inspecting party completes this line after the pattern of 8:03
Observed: 2:27
